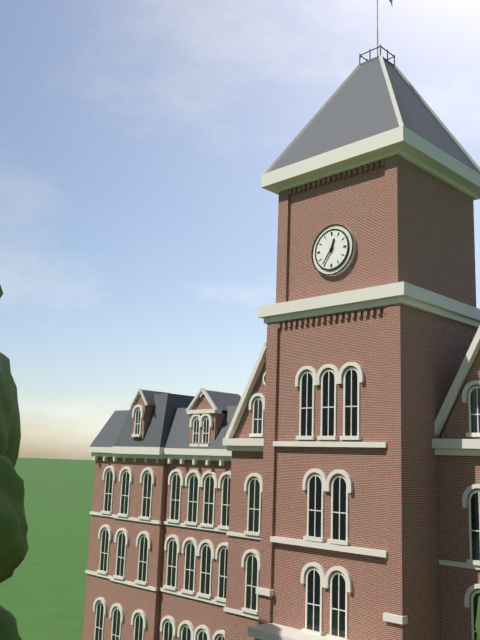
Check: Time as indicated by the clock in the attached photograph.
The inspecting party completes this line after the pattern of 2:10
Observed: 12:36
